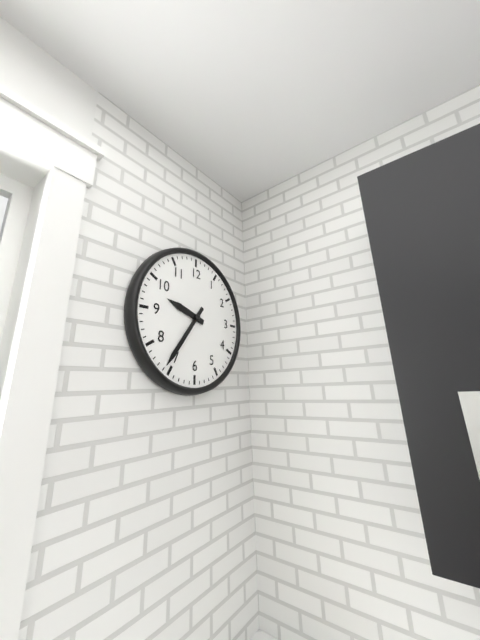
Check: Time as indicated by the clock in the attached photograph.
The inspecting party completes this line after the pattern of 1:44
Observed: 9:36
